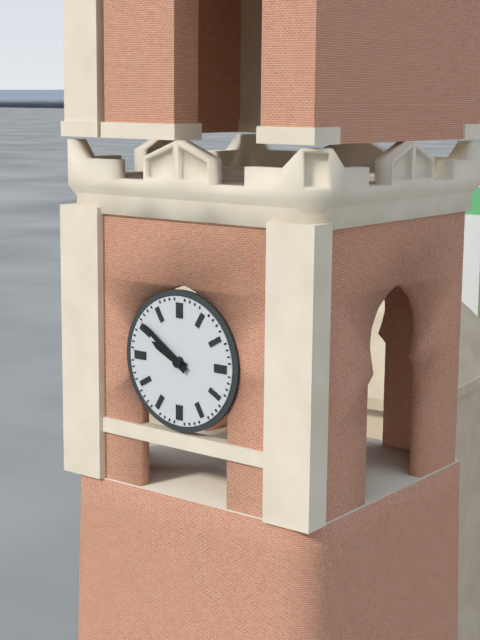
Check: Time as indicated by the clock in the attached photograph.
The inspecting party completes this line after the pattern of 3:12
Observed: 9:51
